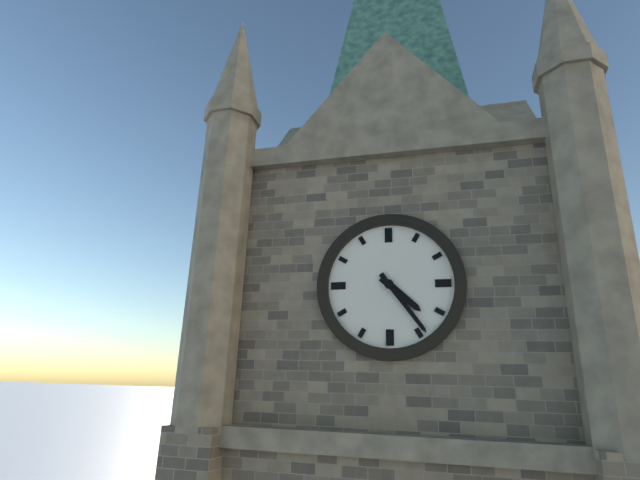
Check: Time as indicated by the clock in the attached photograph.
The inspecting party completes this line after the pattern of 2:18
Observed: 4:24
